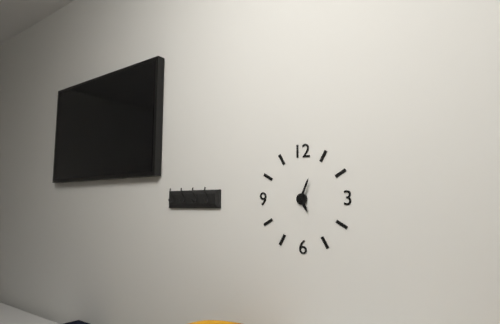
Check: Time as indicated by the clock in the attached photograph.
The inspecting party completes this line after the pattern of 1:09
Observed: 5:04
